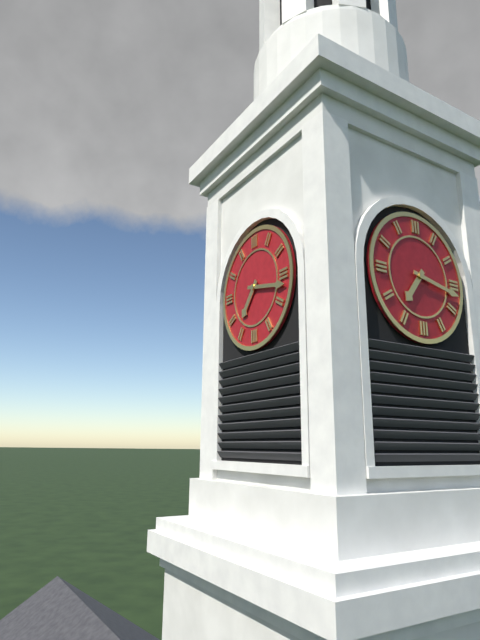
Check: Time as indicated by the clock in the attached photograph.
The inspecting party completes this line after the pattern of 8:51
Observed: 7:17
